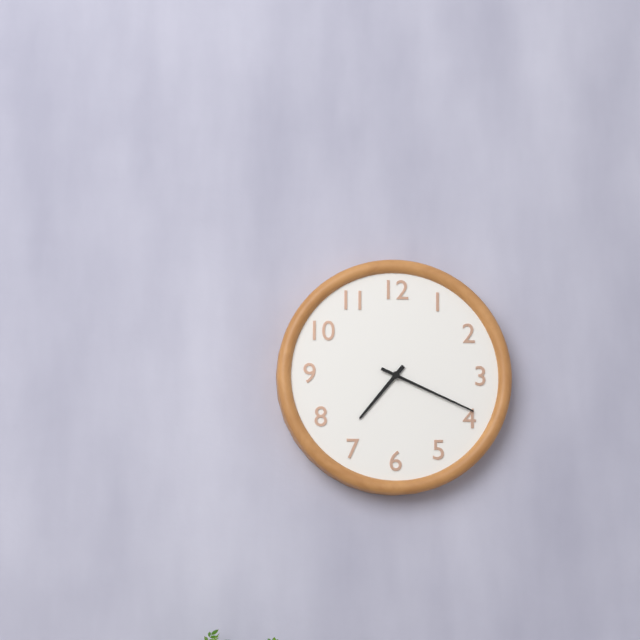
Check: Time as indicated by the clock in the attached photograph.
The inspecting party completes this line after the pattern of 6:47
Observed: 7:19
